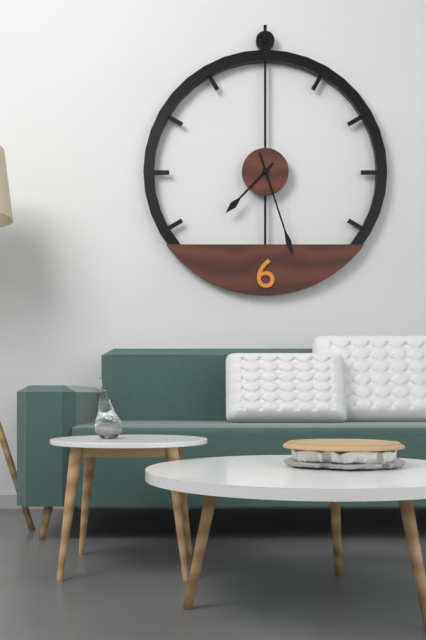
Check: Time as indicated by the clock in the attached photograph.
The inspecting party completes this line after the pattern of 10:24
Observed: 7:27
